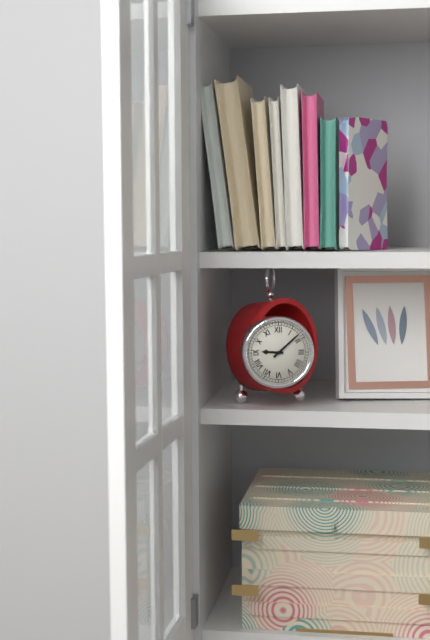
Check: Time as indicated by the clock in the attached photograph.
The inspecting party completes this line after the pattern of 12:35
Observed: 9:08
